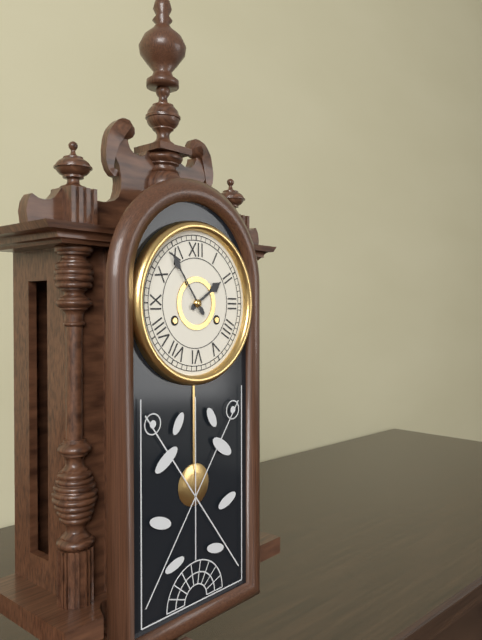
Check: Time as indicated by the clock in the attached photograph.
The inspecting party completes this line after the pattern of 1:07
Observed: 1:54
